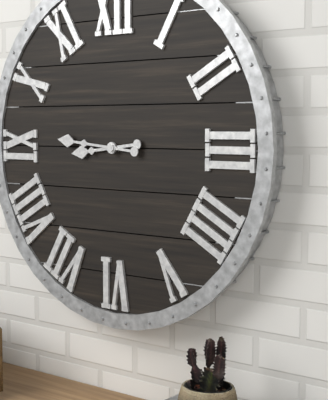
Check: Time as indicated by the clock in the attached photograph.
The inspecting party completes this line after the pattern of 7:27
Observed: 8:46
